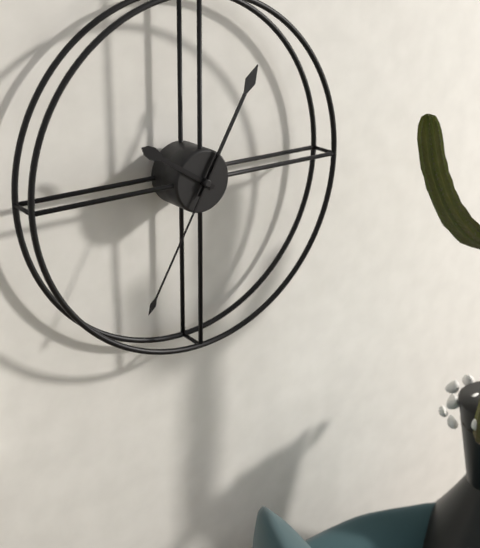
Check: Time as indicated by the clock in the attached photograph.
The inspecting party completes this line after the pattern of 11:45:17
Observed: 10:05:35
